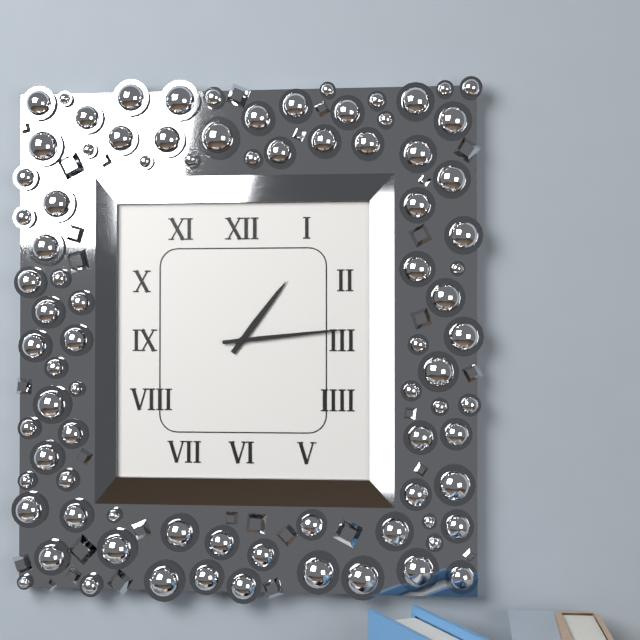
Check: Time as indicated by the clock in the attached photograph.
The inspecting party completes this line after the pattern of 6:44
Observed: 1:14
